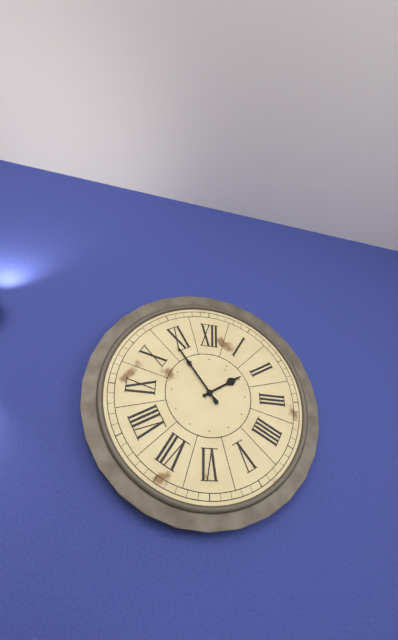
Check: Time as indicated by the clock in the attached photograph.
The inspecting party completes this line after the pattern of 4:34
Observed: 1:54
